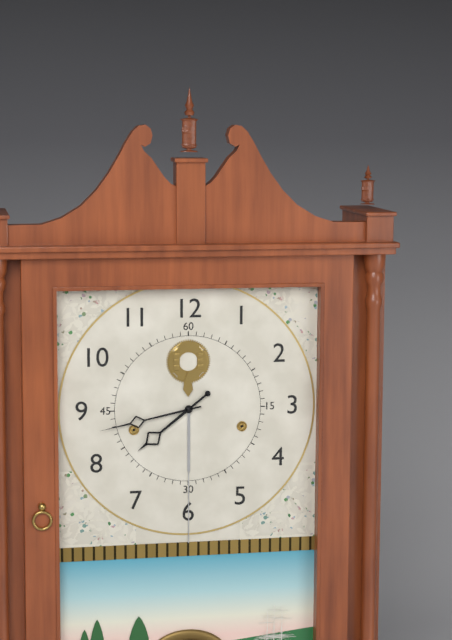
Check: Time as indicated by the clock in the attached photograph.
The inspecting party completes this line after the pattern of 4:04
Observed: 7:43
